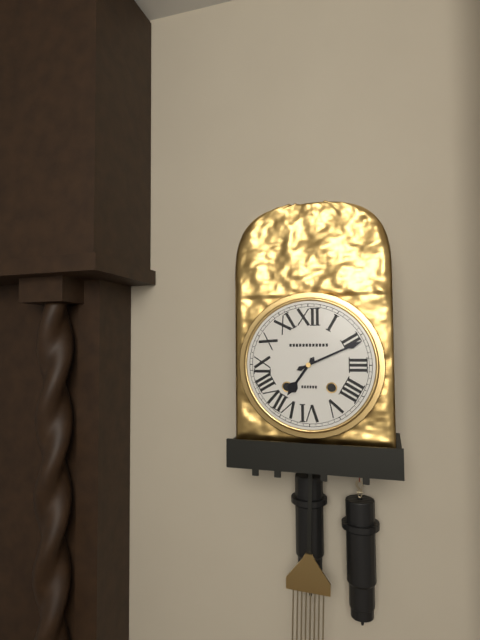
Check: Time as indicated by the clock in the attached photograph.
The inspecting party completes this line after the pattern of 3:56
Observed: 7:11
